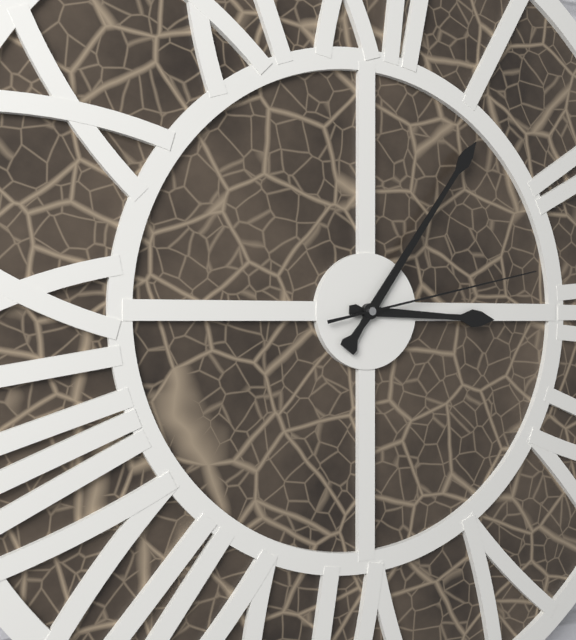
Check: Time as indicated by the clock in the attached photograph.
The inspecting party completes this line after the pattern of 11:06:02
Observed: 3:06:13
